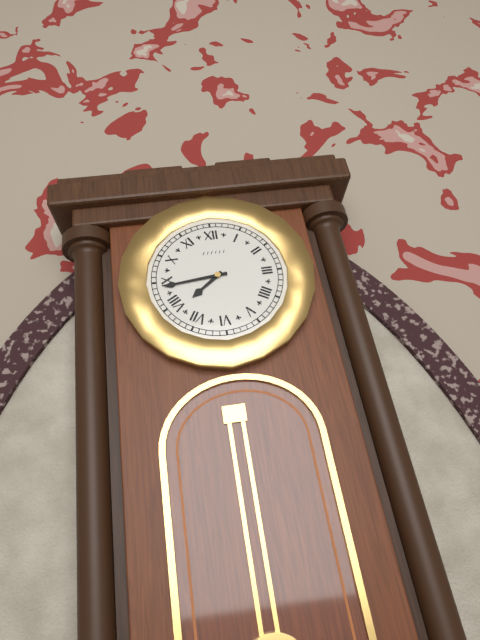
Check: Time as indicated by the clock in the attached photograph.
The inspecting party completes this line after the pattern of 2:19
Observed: 7:44
